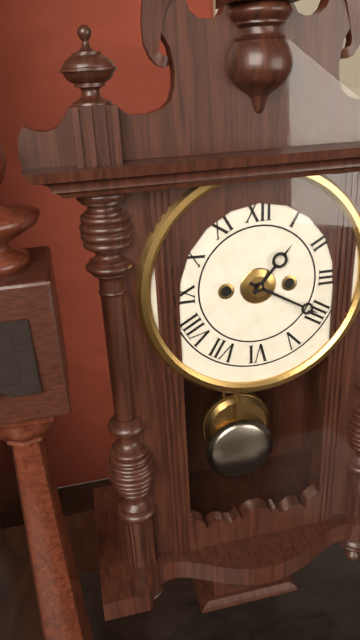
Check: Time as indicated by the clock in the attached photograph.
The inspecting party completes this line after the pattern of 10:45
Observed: 1:20
